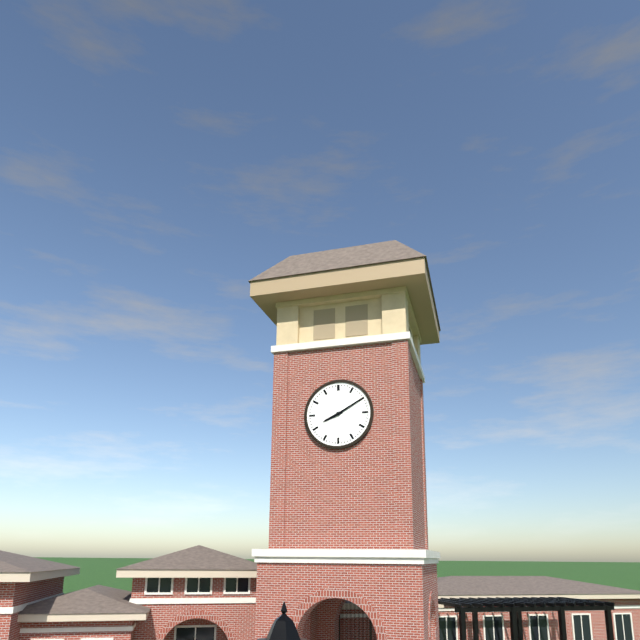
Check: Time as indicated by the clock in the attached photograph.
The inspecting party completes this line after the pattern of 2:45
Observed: 8:10
